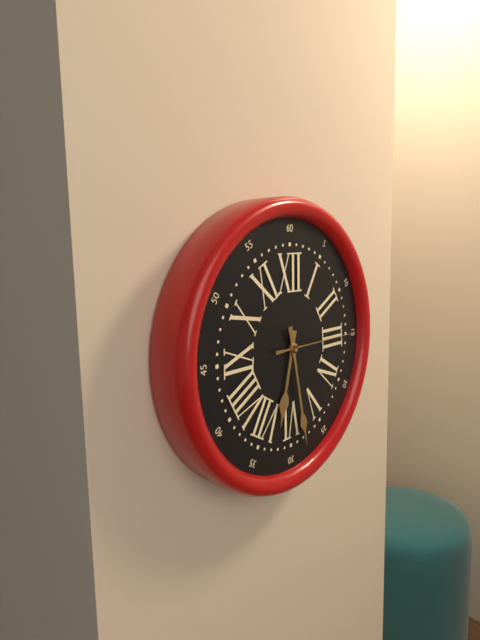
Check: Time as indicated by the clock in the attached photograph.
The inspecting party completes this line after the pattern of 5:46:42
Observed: 6:28:15
